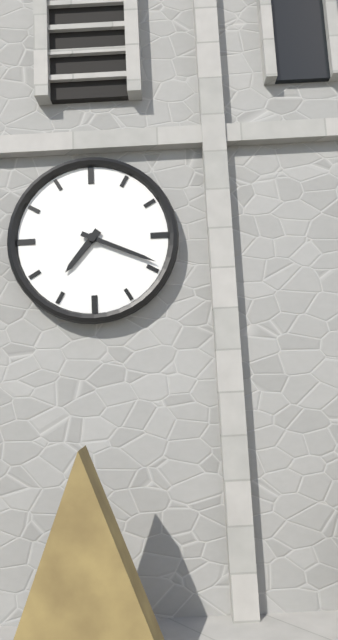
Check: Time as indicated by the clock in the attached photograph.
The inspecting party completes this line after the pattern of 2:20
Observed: 7:19
